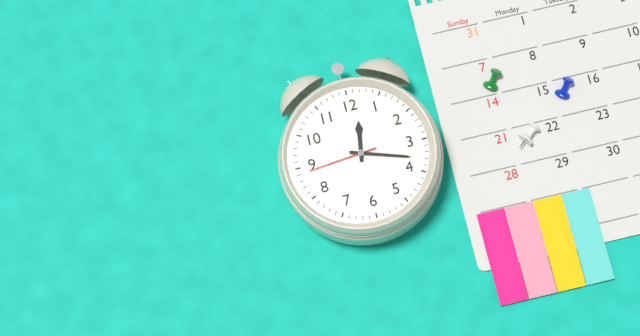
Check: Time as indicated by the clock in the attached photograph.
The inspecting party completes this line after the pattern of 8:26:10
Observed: 12:18:44
